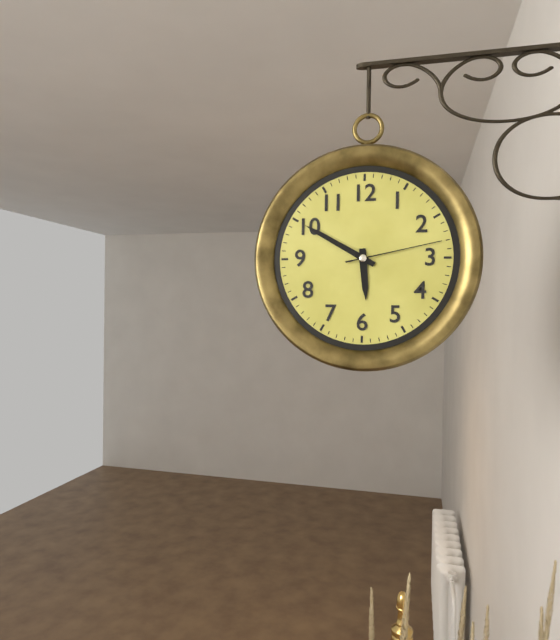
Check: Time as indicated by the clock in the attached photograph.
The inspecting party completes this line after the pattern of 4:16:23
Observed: 5:50:13
